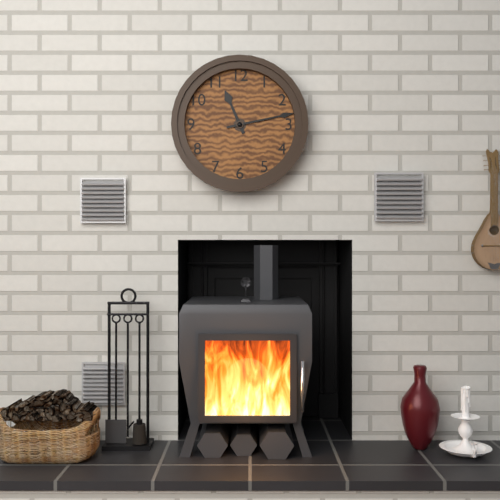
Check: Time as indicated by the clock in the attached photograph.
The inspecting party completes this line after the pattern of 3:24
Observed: 11:13
